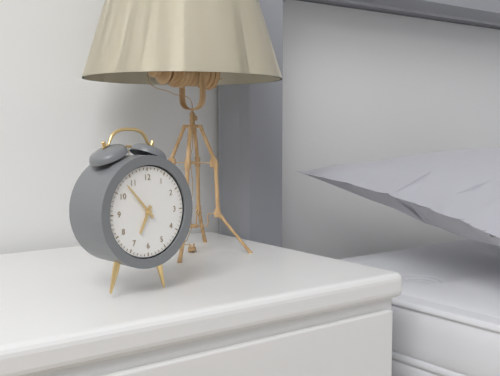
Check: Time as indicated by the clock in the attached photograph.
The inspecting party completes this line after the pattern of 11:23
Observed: 6:53
